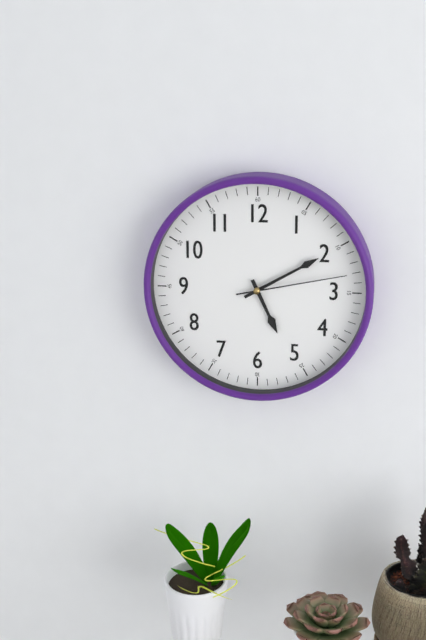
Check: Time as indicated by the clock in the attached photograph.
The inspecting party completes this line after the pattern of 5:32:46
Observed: 5:10:13
